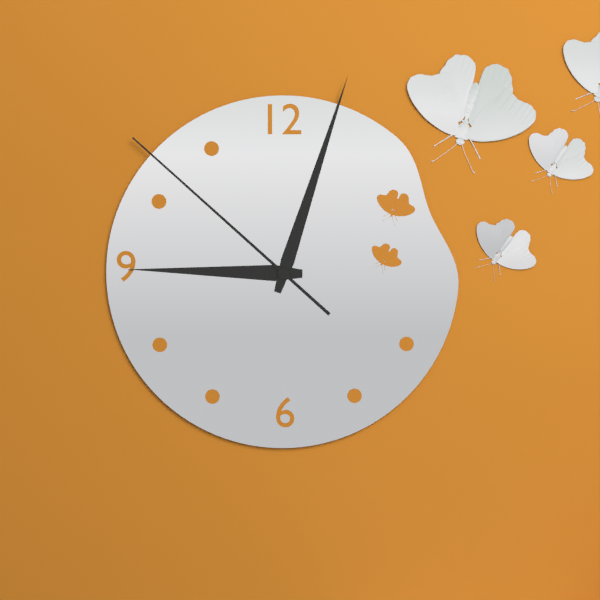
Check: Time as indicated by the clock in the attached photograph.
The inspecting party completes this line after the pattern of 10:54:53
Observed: 9:03:52
